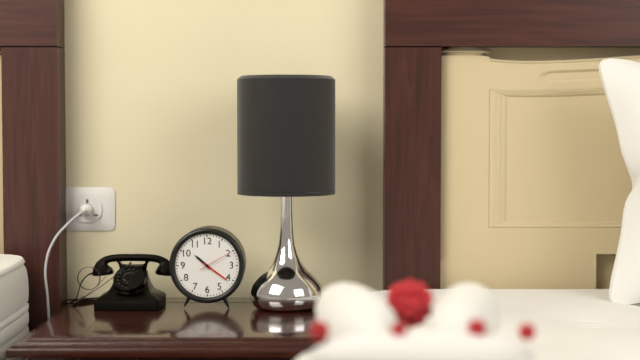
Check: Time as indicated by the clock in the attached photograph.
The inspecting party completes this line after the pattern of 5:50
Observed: 10:21
